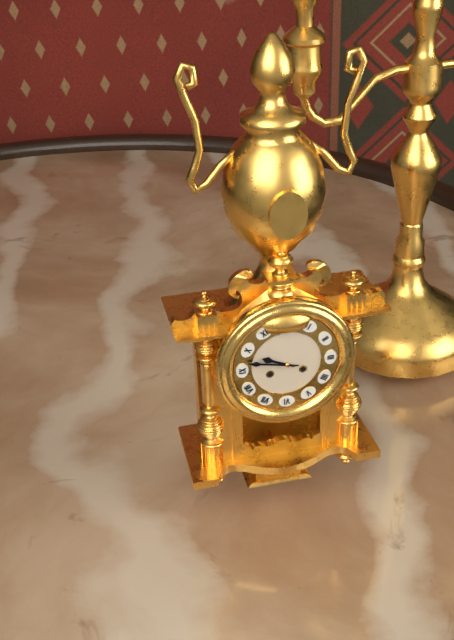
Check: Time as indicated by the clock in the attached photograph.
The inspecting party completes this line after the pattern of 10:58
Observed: 9:47
